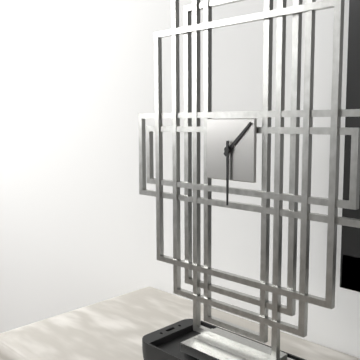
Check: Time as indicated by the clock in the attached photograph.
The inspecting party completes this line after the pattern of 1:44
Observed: 1:30
